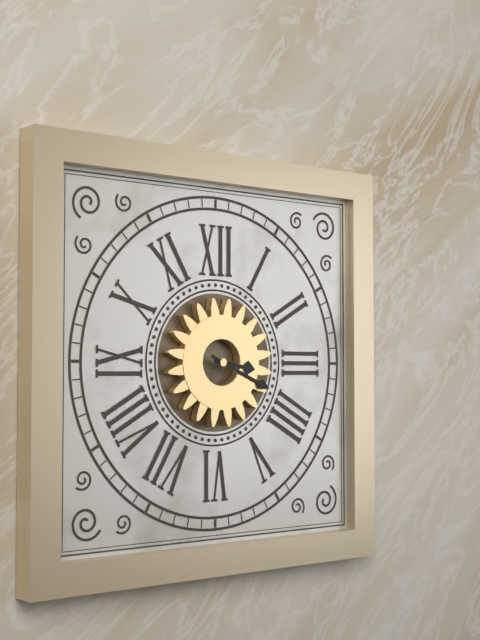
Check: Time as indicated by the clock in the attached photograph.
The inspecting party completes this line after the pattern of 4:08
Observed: 3:19
